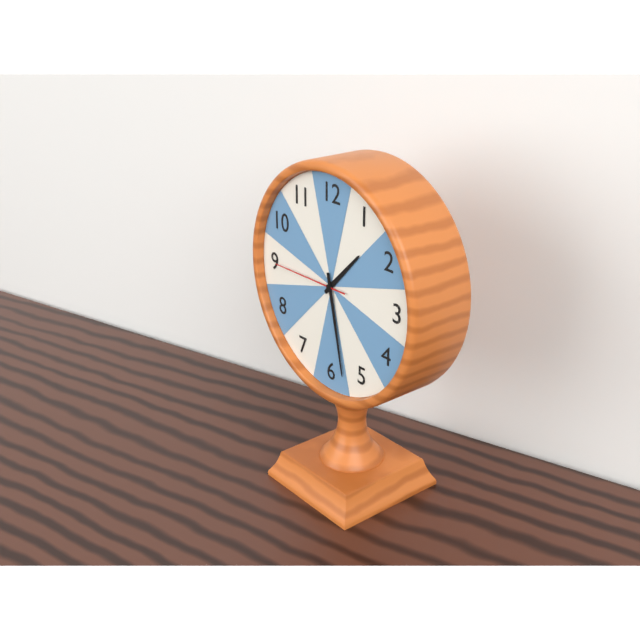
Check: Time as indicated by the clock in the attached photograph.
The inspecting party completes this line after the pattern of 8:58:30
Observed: 1:28:45
